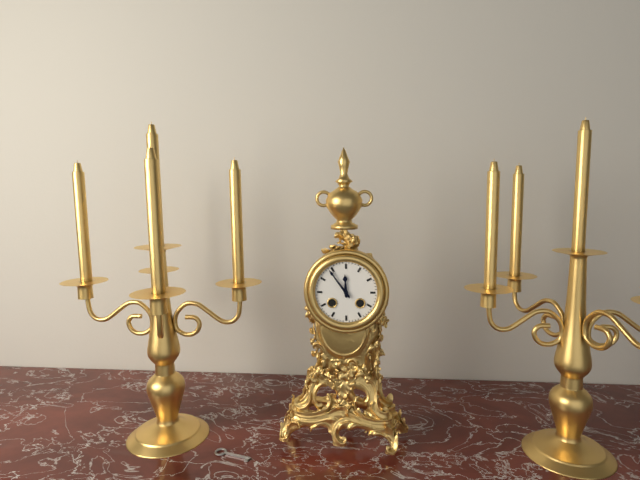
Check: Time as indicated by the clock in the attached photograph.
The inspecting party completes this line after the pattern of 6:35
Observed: 11:54
